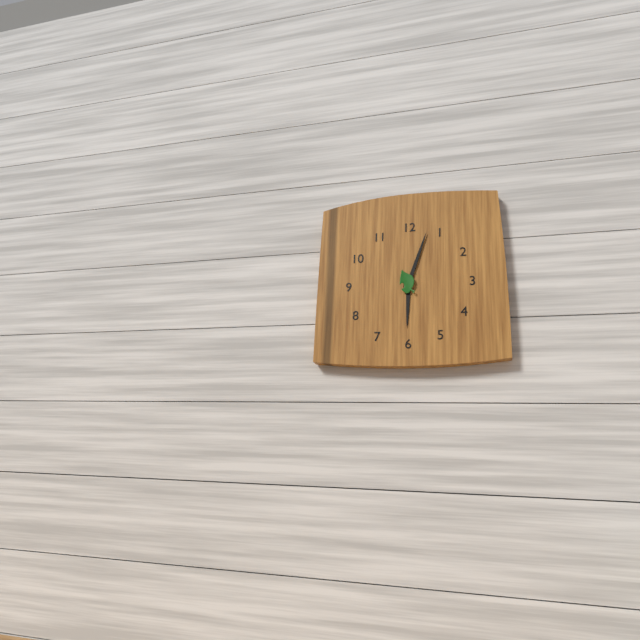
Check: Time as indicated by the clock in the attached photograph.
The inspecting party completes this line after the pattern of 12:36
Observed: 6:03
